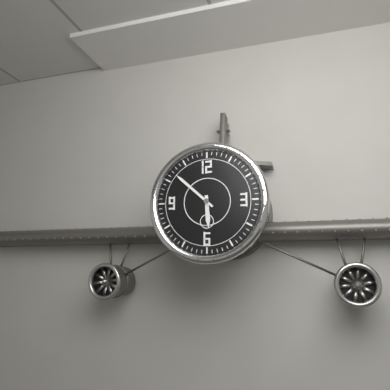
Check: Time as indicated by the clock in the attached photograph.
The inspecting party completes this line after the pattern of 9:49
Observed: 5:52
